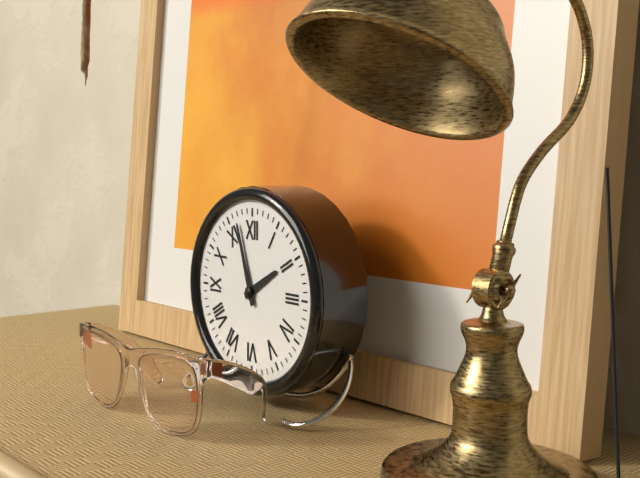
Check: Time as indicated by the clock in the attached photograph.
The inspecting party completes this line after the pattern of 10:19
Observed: 1:57
